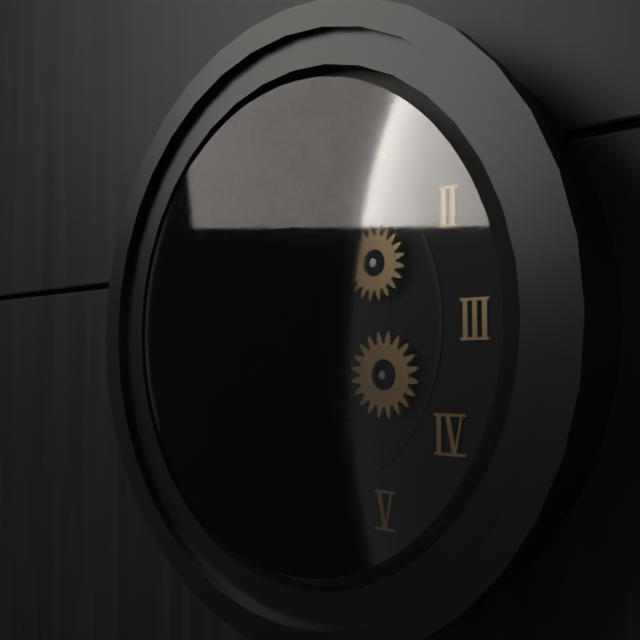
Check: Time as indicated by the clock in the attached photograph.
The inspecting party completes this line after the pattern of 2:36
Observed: 4:52
